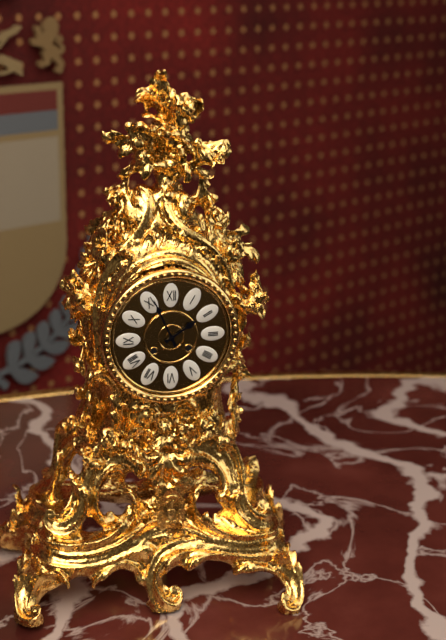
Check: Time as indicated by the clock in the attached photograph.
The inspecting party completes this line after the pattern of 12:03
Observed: 1:56
